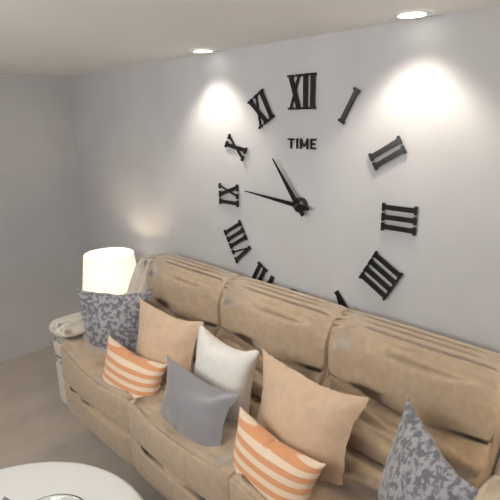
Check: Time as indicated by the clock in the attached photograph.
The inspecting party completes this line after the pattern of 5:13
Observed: 10:46
